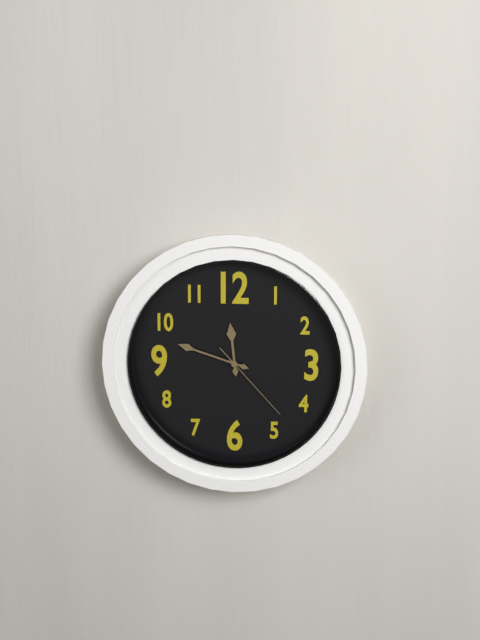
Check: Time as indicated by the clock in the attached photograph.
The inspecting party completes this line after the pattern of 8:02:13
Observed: 11:48:23
